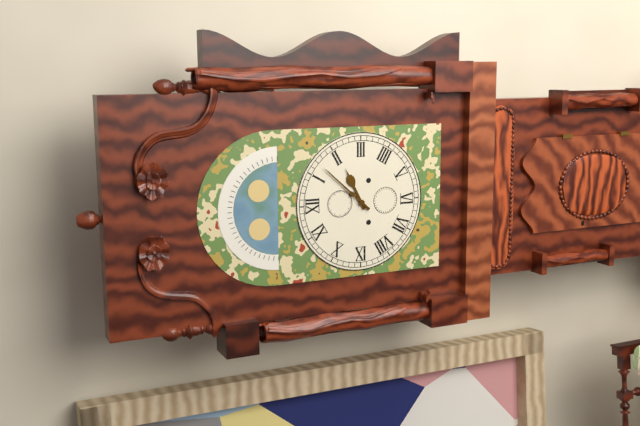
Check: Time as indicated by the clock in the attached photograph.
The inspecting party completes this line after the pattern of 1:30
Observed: 2:07
